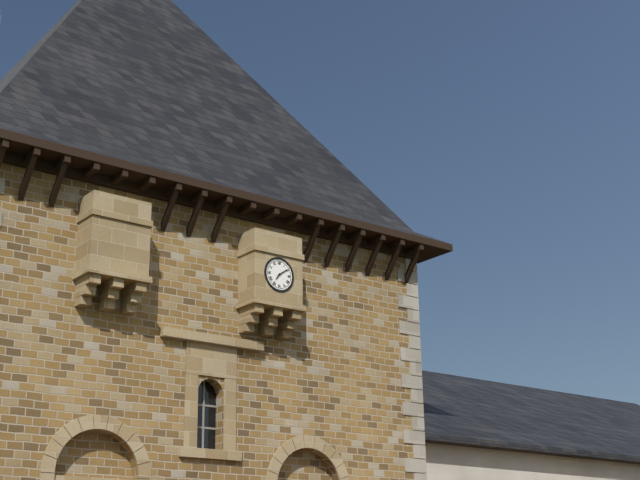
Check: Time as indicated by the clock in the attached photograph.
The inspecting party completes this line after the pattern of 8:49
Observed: 7:09
